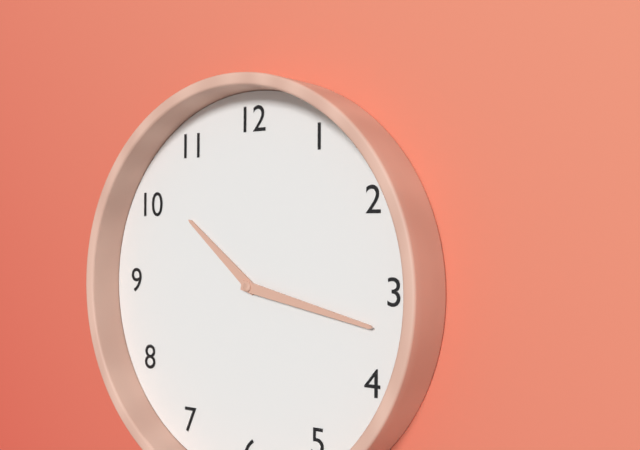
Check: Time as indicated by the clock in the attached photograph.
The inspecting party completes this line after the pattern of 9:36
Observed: 10:17
